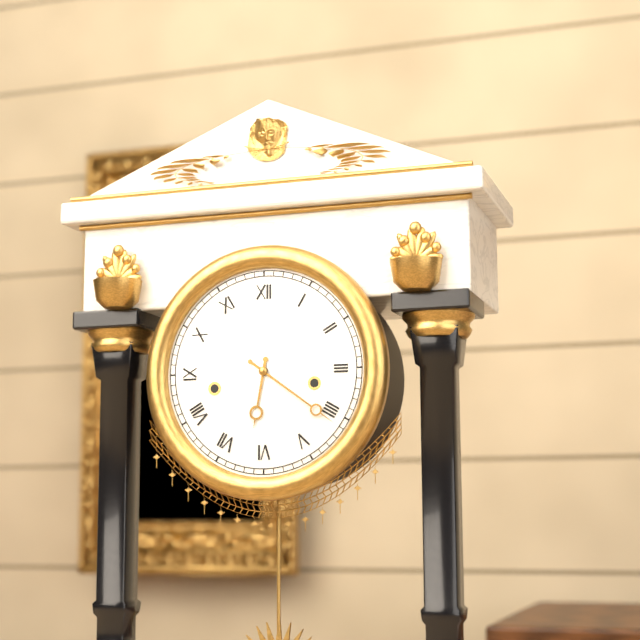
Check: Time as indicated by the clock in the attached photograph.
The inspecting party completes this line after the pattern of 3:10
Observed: 6:21
